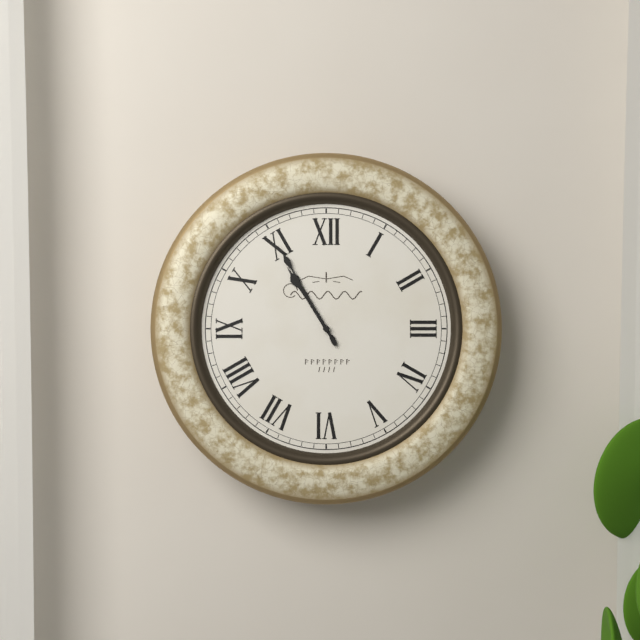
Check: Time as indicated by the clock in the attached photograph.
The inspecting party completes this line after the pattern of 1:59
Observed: 10:55
